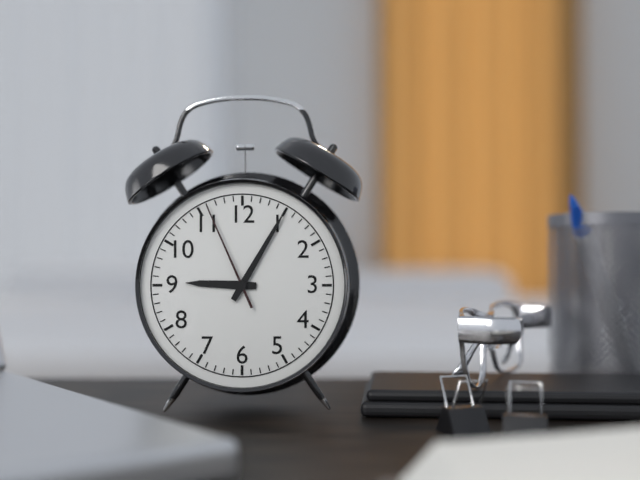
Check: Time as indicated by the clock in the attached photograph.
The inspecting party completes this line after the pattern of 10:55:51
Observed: 9:05:56
